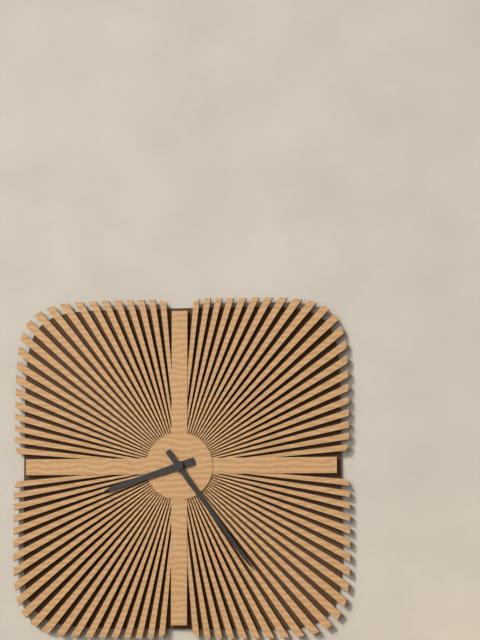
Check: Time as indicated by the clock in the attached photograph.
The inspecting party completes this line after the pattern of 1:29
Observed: 8:24
